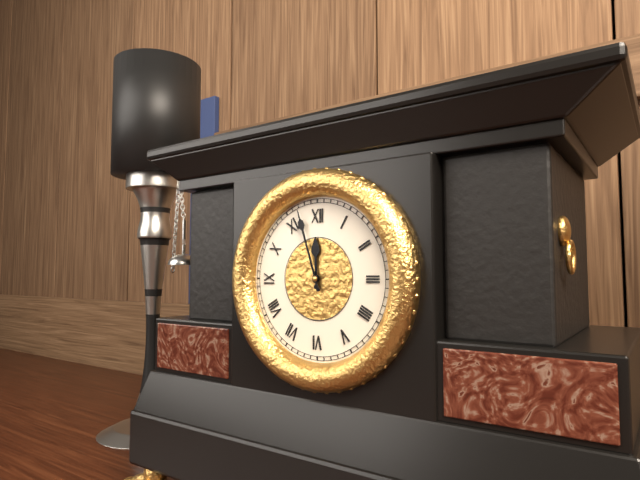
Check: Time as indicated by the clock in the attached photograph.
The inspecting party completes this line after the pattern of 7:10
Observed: 11:57
